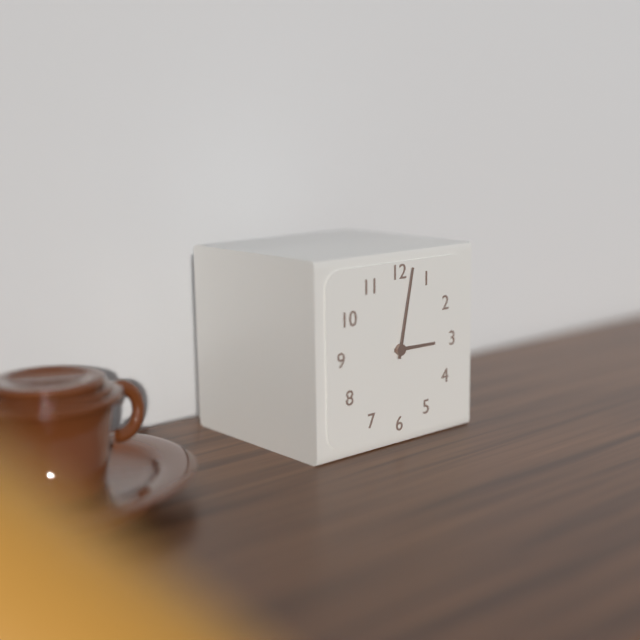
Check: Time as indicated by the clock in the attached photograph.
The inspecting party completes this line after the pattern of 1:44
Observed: 3:02
